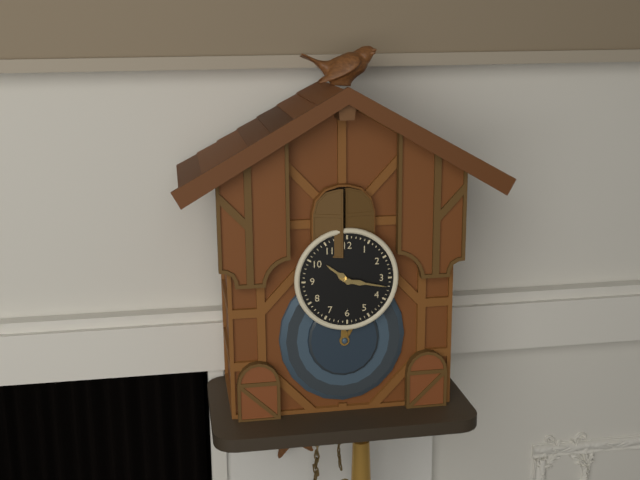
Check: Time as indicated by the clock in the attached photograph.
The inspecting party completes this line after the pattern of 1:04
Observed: 10:17
